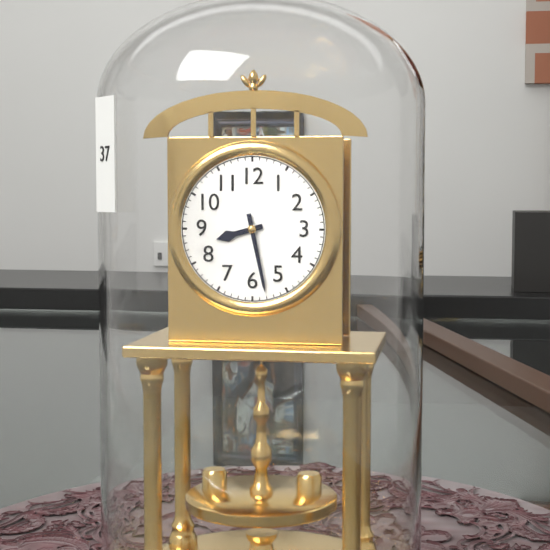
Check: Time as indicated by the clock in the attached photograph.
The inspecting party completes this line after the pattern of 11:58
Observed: 8:28
